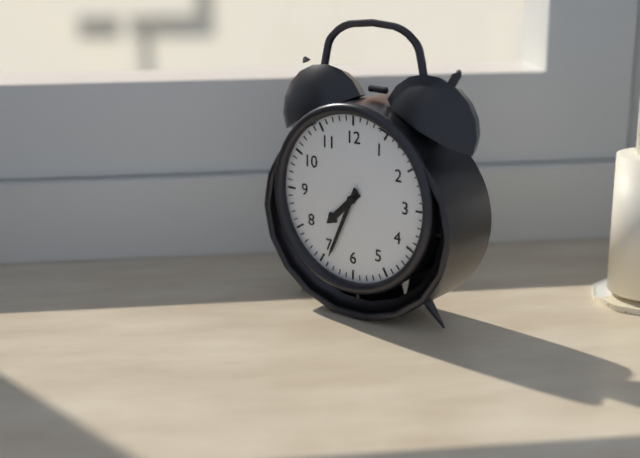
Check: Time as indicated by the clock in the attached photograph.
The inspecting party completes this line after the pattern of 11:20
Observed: 7:34
